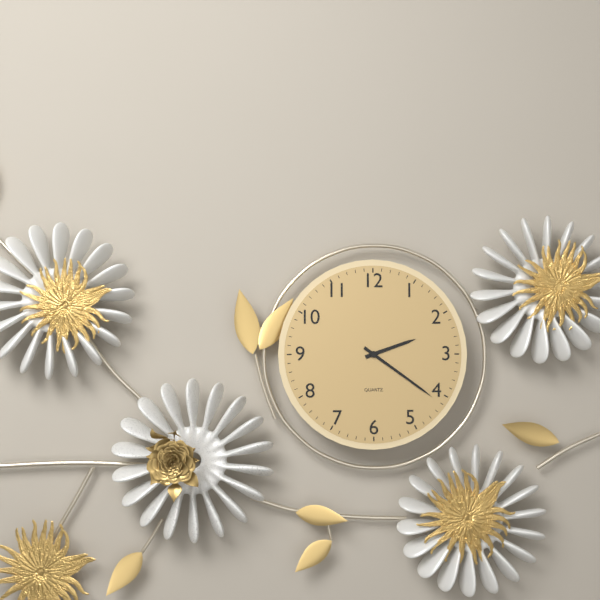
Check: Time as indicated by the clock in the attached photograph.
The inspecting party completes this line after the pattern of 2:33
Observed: 2:21
